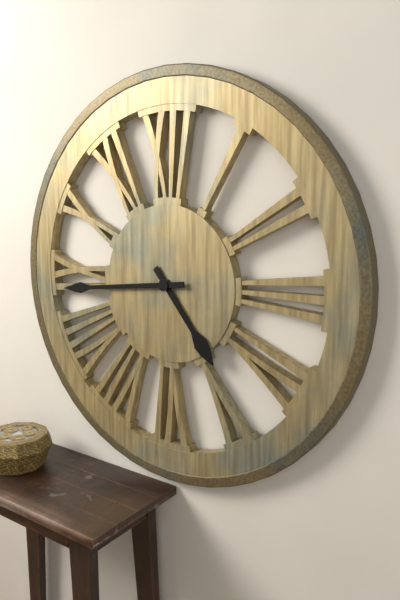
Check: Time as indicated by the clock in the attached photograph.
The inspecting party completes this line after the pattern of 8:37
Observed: 4:44
